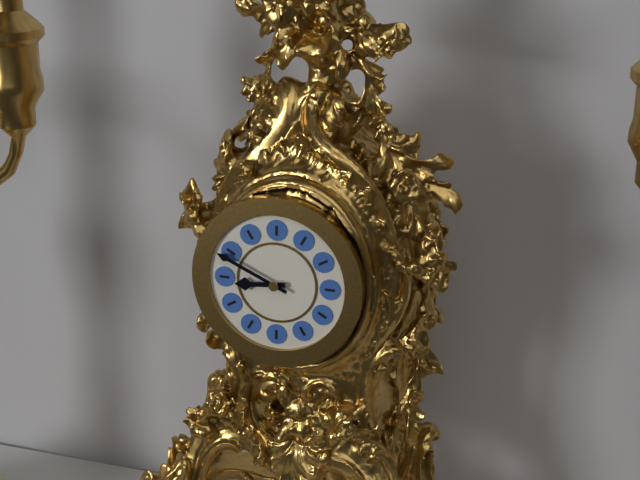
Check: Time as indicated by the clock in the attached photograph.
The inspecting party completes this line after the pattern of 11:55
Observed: 8:49
